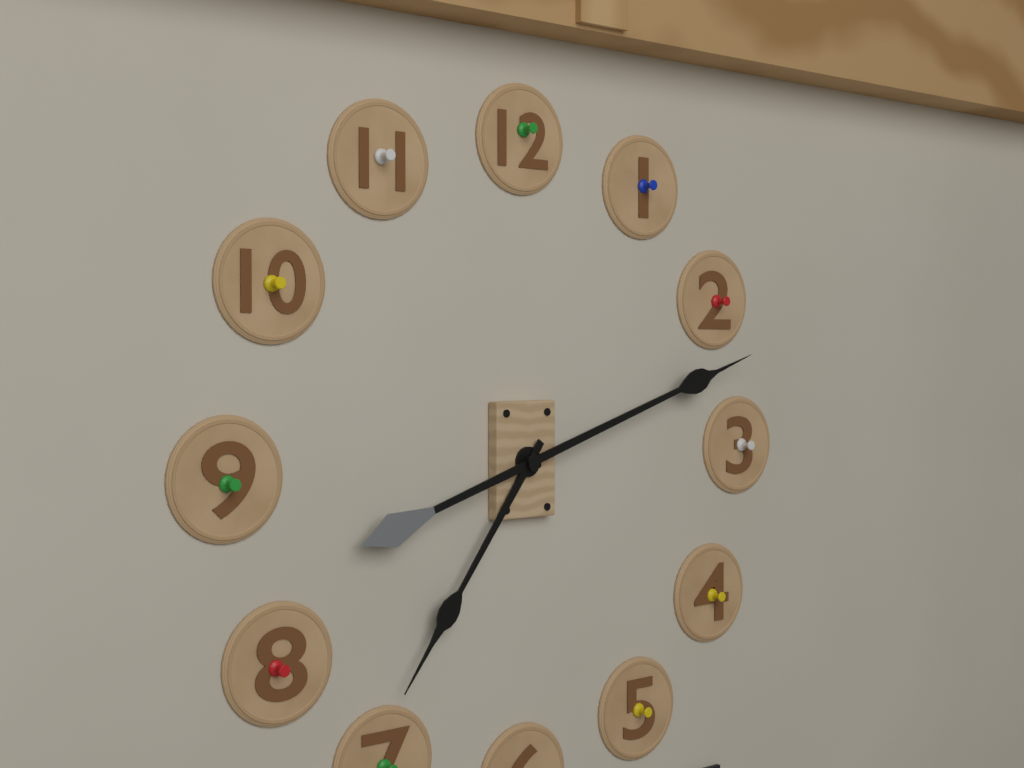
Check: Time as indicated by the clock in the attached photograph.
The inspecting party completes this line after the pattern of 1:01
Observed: 7:12
